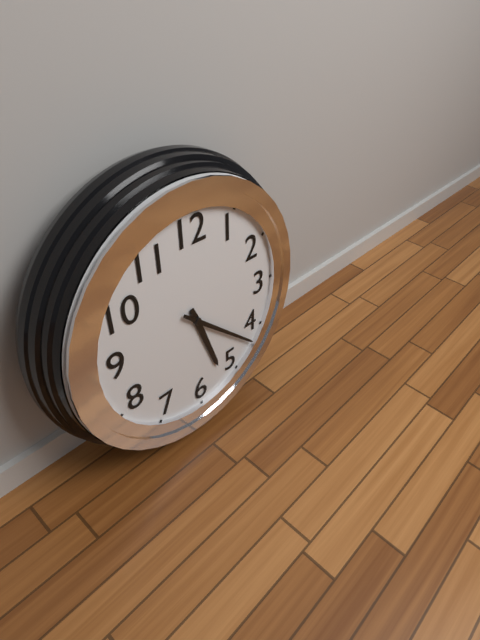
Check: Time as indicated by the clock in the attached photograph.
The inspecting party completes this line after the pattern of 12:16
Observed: 5:22
